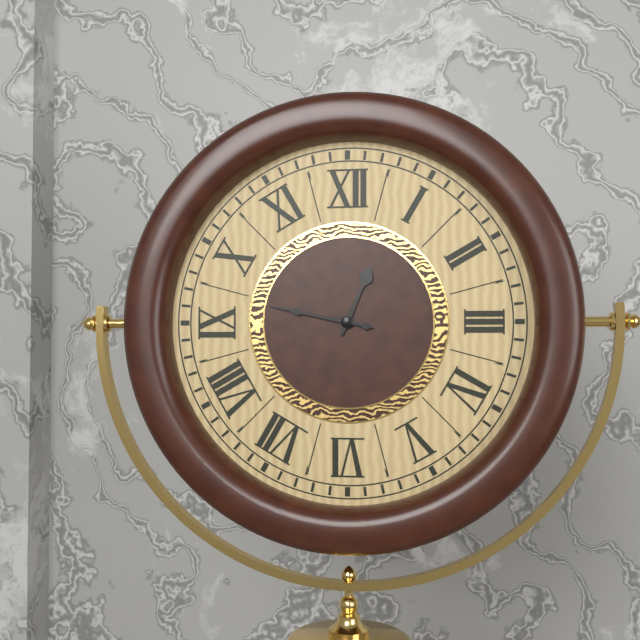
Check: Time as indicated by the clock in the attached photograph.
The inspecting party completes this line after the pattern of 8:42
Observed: 12:47
